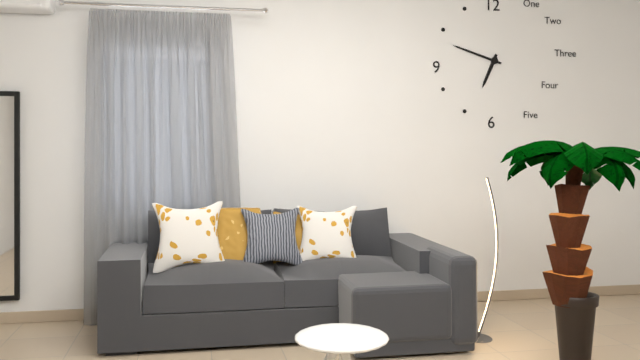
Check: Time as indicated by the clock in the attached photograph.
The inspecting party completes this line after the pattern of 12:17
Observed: 6:48
